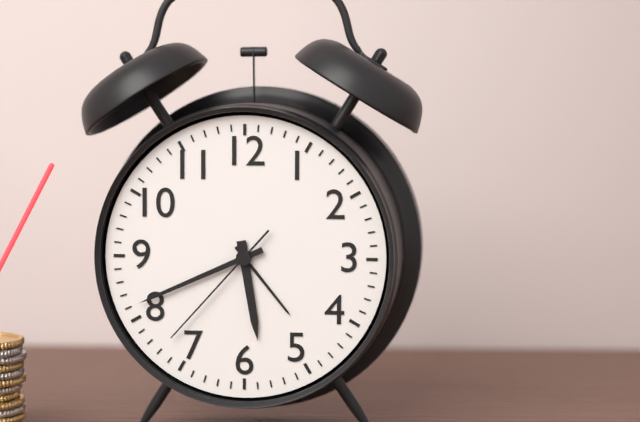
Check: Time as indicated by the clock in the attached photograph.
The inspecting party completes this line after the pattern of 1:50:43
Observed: 5:41:37
